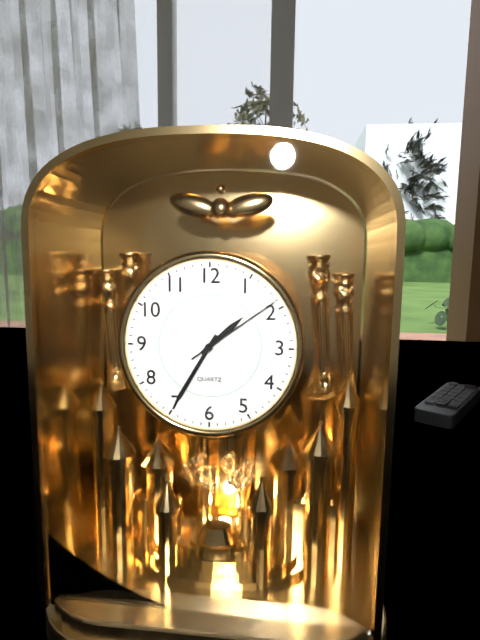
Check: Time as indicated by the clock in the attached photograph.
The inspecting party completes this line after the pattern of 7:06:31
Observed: 1:35:09
